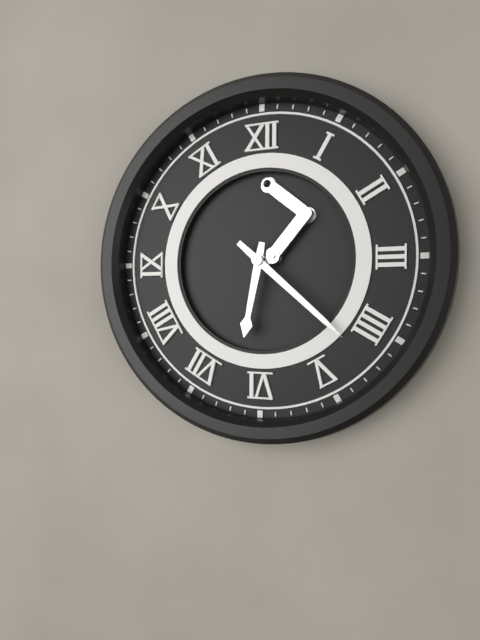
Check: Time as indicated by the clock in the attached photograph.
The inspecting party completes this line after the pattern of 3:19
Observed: 6:22
